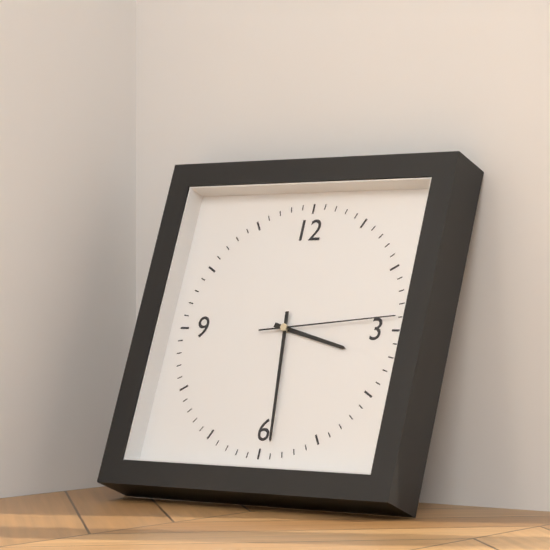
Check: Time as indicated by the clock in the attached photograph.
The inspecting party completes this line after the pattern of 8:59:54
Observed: 3:29:14
